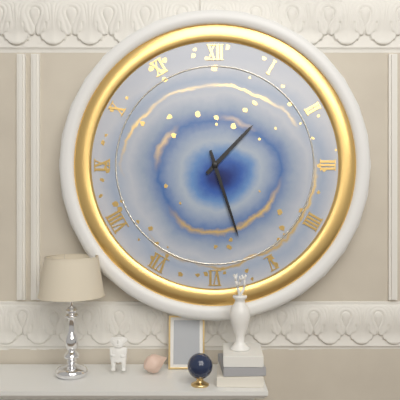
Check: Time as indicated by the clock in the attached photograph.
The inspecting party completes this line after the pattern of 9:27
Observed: 1:27
